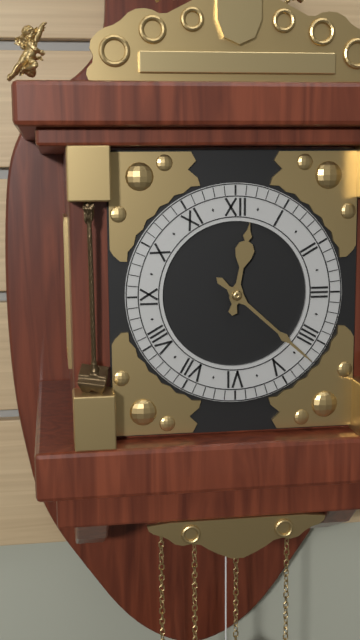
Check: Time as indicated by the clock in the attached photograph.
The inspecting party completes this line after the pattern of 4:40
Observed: 12:22
